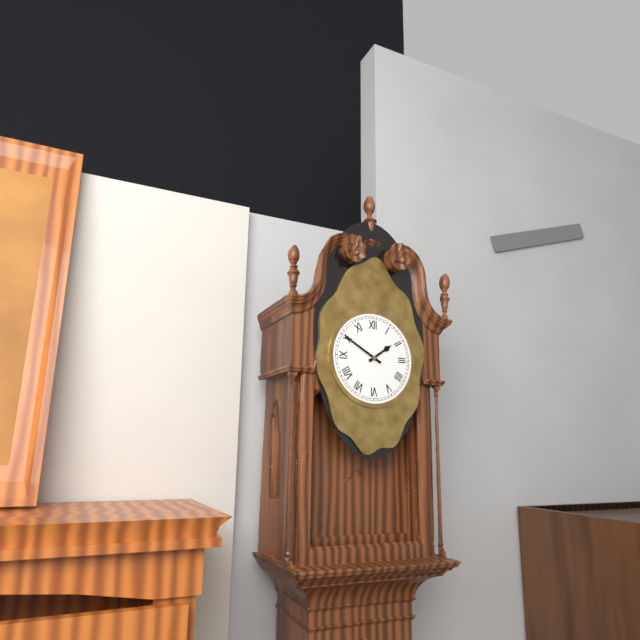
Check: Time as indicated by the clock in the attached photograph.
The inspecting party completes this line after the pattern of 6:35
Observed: 1:50
